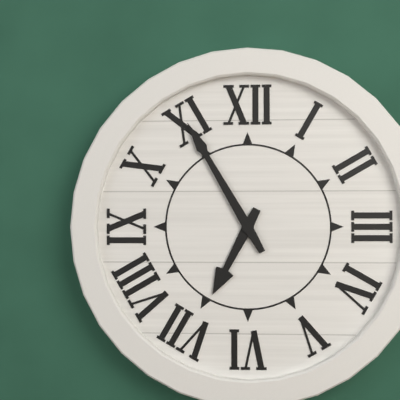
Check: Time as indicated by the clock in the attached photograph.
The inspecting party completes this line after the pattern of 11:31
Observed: 6:55
